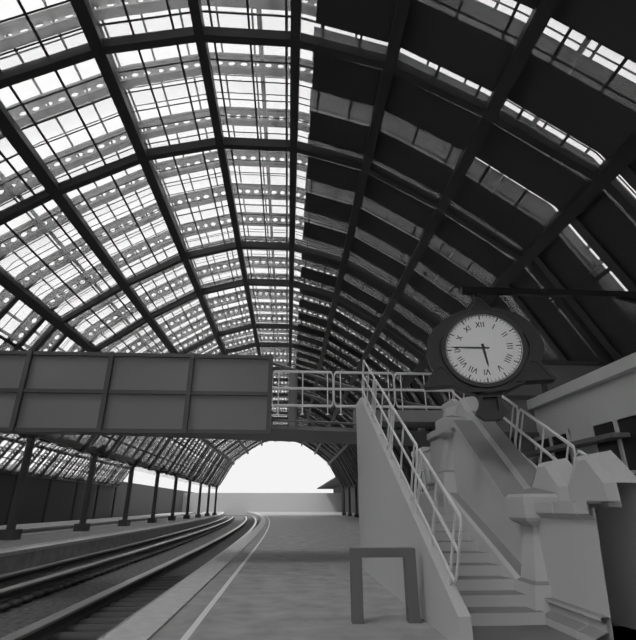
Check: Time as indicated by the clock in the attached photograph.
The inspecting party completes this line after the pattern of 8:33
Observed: 5:46
